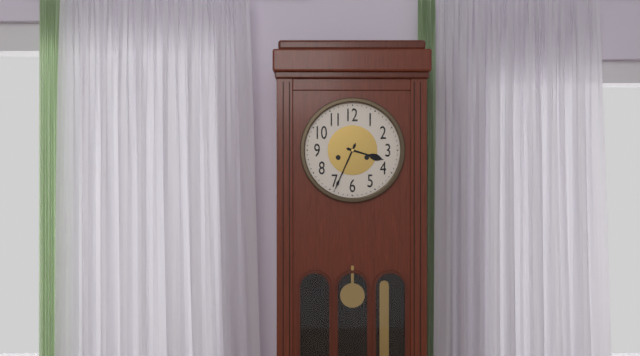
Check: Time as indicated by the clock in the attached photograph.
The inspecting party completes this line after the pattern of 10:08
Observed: 3:34
